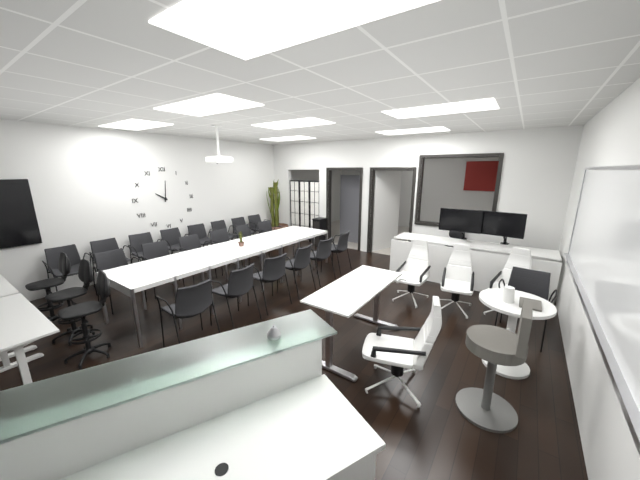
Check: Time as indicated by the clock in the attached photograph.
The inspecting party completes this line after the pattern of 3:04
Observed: 10:01
